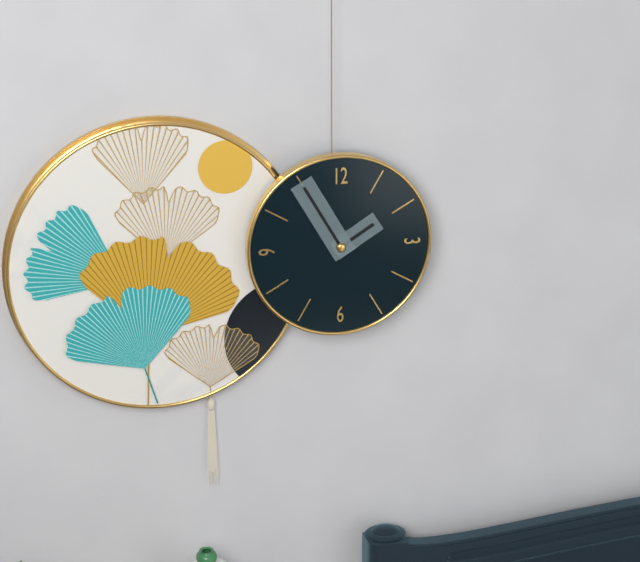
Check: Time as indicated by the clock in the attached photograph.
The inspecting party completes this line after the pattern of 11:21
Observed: 1:55
